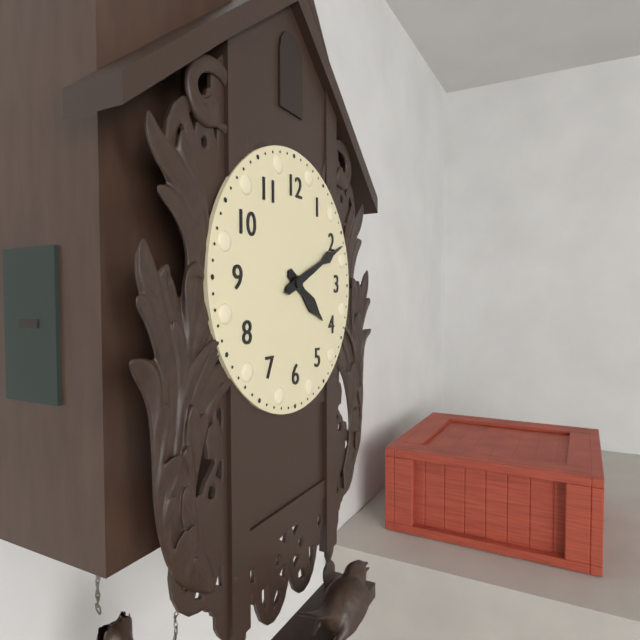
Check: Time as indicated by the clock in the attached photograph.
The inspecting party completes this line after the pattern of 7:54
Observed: 4:11
